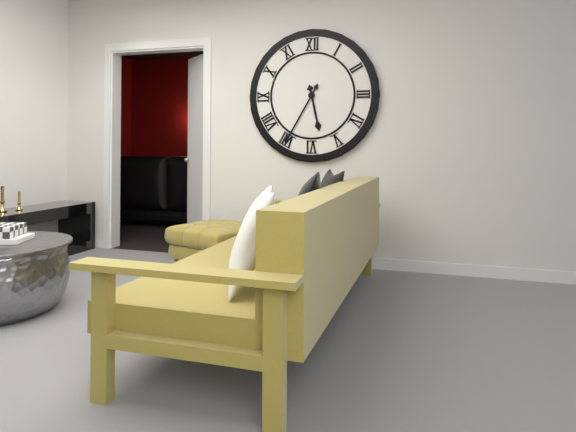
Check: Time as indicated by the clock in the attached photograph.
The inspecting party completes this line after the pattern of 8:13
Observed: 5:35
